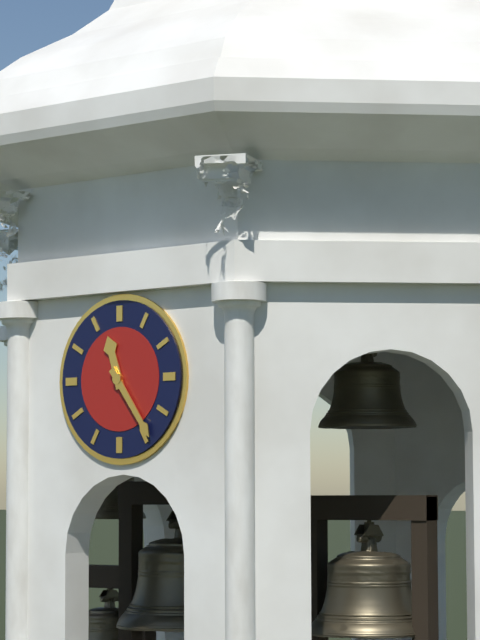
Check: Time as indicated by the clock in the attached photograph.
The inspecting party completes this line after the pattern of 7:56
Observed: 11:24
